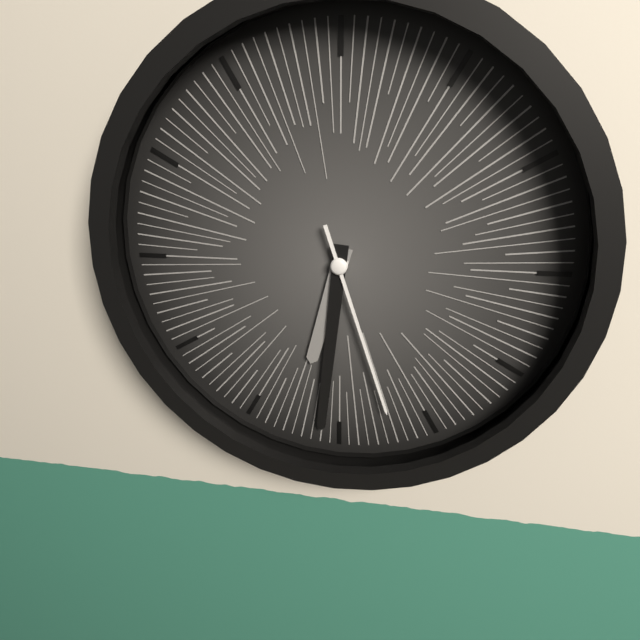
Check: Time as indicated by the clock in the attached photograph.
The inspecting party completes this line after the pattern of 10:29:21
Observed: 6:31:27
